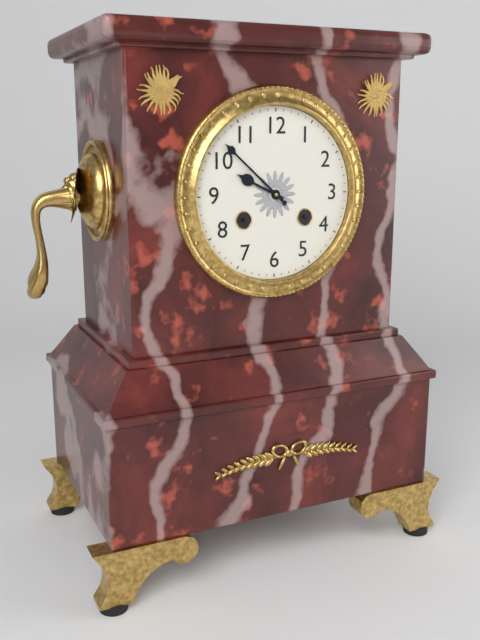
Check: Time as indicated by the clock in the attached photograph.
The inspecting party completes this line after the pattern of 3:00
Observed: 9:52
